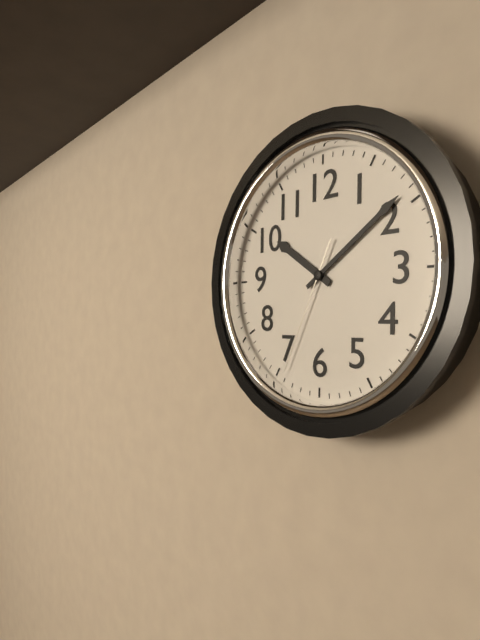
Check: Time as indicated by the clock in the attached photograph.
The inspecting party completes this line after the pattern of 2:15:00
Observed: 10:09:34
